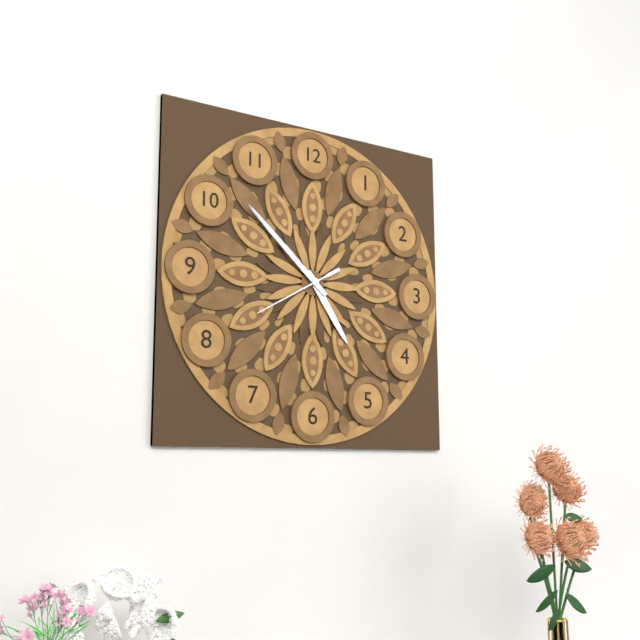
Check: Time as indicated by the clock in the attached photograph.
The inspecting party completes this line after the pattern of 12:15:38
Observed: 4:52:40
